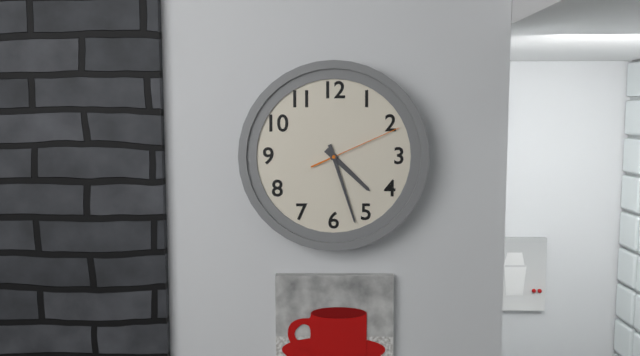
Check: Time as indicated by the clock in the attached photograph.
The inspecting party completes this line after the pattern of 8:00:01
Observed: 4:27:11
